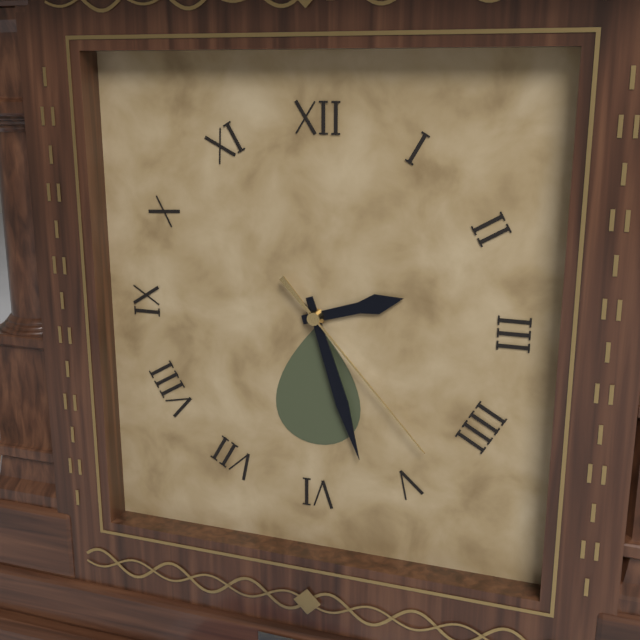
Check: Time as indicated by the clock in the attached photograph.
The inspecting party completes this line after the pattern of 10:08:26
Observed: 2:27:23
